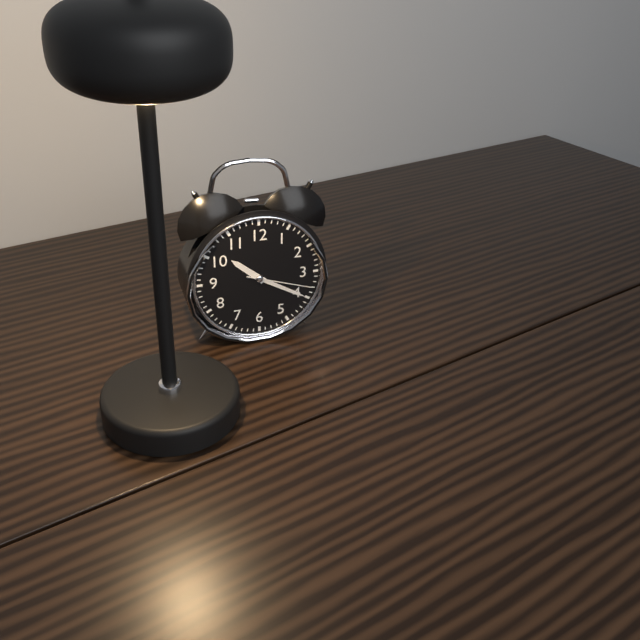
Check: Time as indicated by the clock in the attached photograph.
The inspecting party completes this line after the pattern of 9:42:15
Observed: 10:20:18
